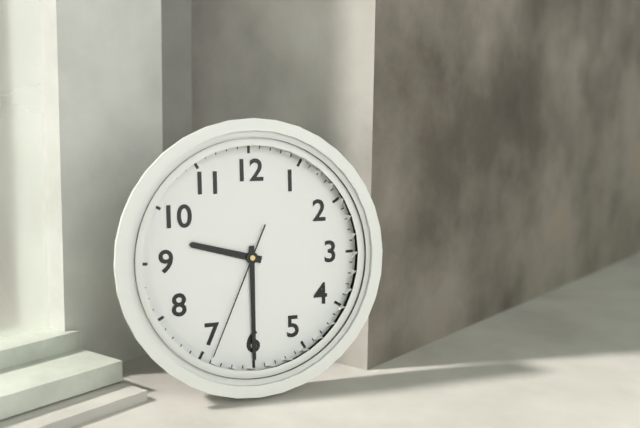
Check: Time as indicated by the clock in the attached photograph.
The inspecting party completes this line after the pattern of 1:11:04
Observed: 9:30:34
